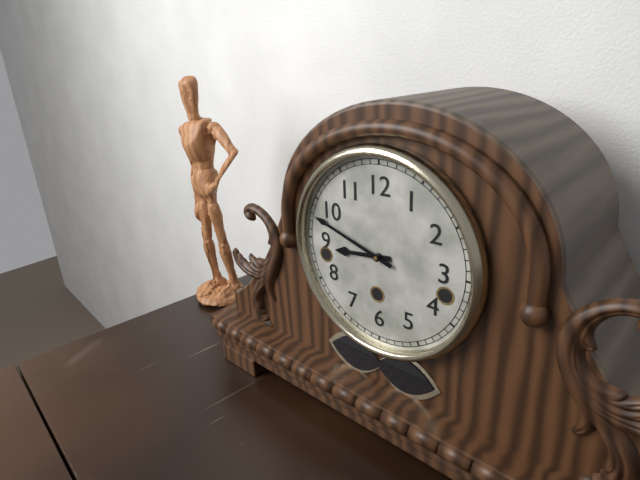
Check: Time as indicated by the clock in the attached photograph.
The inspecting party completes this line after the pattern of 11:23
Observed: 8:48
